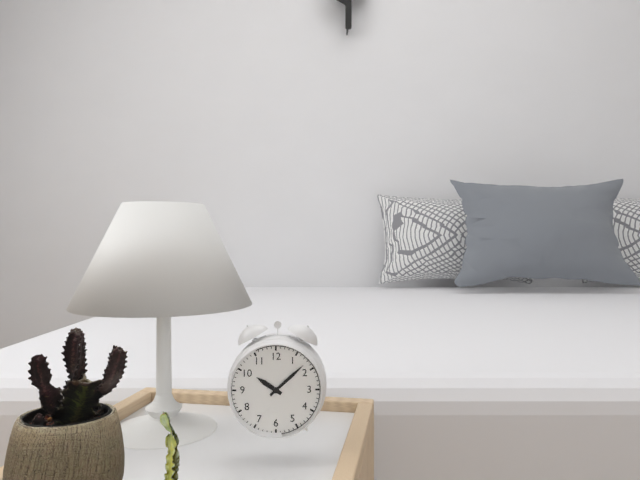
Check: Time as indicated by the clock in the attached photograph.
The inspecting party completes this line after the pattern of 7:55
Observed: 10:08
